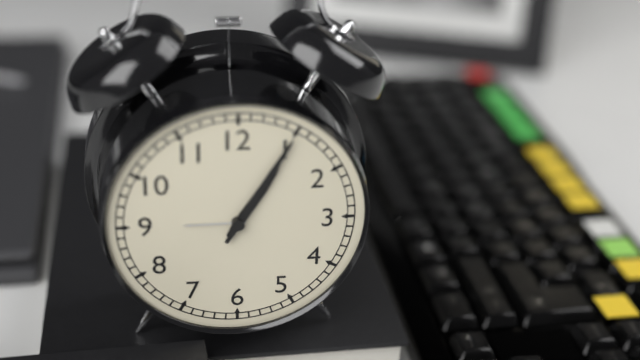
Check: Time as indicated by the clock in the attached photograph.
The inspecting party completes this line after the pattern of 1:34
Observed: 1:05
